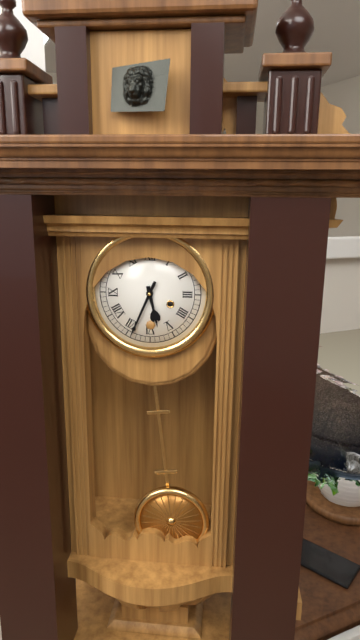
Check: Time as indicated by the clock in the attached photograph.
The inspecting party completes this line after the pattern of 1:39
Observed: 5:34
